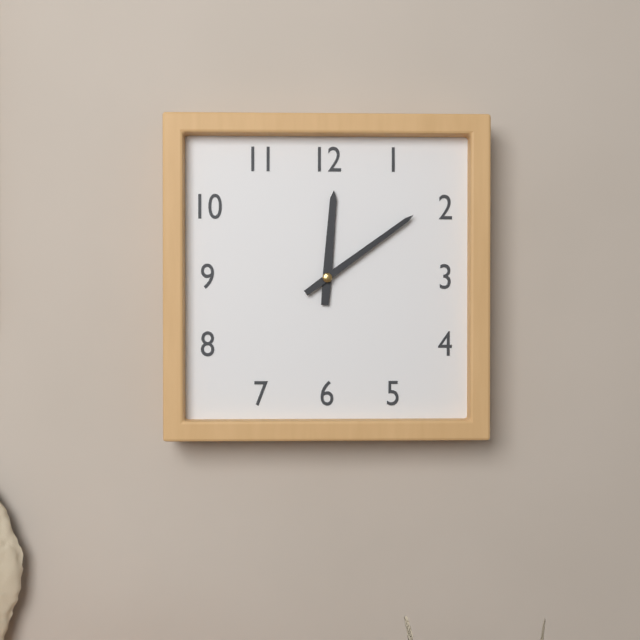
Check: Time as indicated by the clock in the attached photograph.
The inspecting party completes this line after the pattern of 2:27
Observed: 12:09
